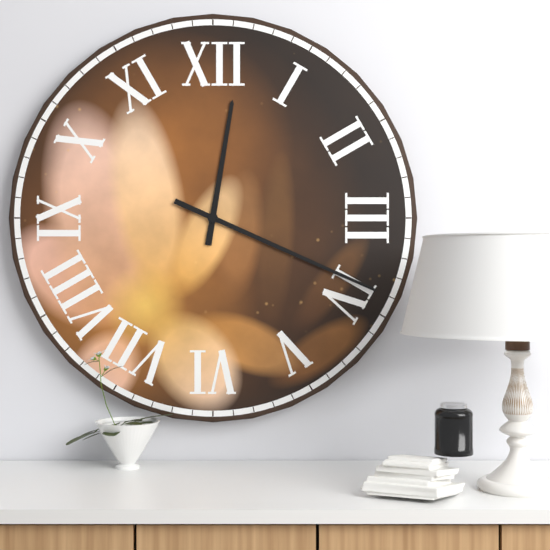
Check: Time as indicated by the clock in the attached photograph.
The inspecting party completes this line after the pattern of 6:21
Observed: 12:19
